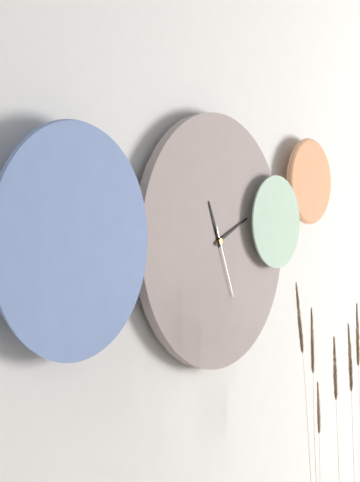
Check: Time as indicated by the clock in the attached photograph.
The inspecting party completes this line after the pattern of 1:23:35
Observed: 11:11:26
